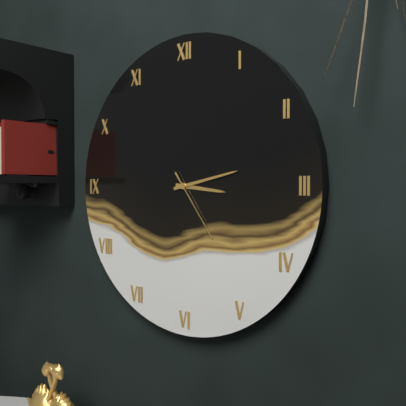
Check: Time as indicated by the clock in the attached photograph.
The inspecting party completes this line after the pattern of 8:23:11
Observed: 3:13:24
